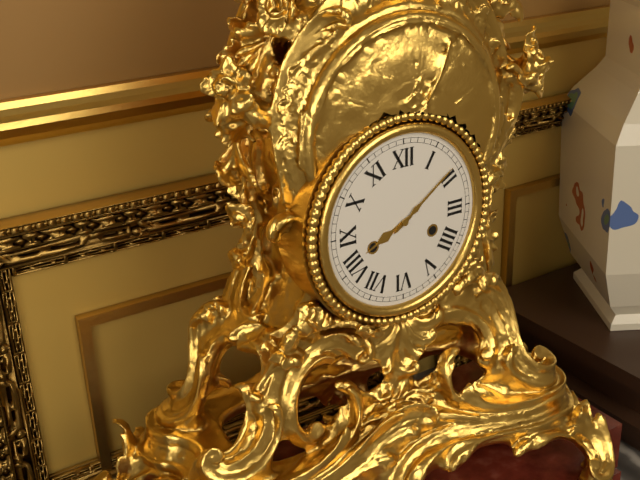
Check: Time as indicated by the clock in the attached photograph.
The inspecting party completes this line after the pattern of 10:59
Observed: 8:09
